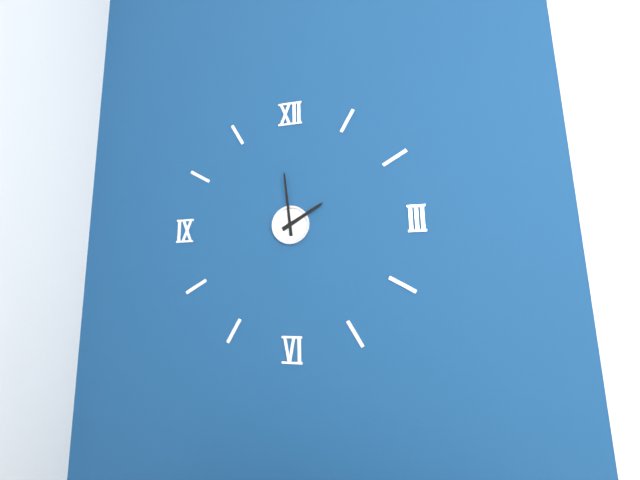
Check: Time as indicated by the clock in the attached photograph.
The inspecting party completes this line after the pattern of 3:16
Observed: 1:59
